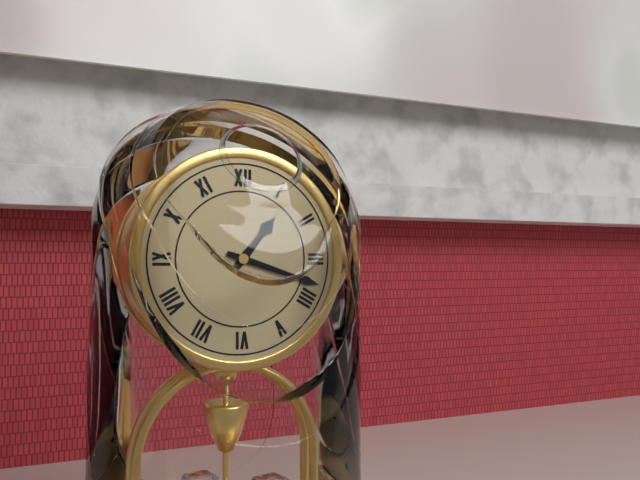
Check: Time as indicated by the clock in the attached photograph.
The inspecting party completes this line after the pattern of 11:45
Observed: 1:18
